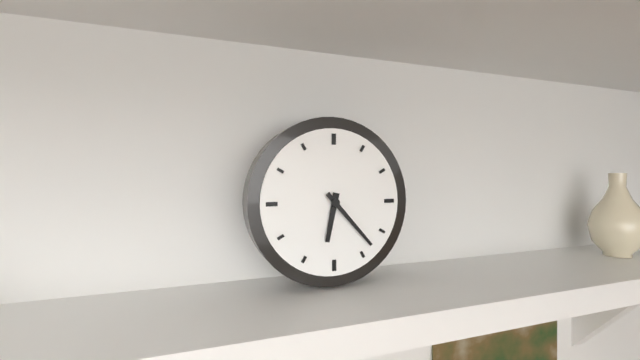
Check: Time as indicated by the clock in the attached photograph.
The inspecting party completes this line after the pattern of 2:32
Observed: 6:23
